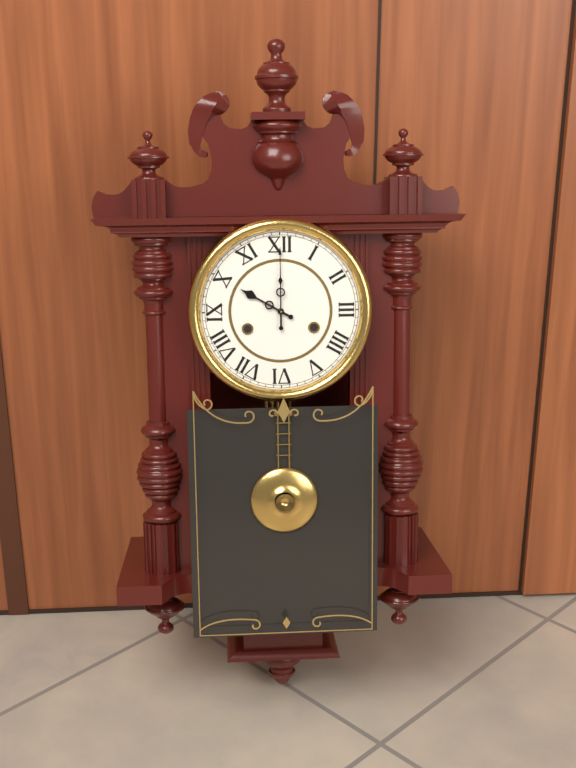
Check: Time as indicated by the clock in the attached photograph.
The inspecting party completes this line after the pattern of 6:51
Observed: 10:00
